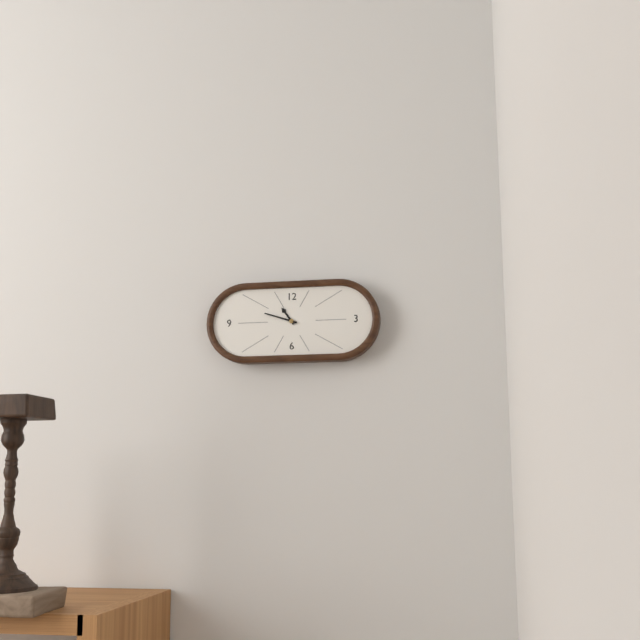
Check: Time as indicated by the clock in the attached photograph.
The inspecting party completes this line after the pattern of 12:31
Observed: 10:48
